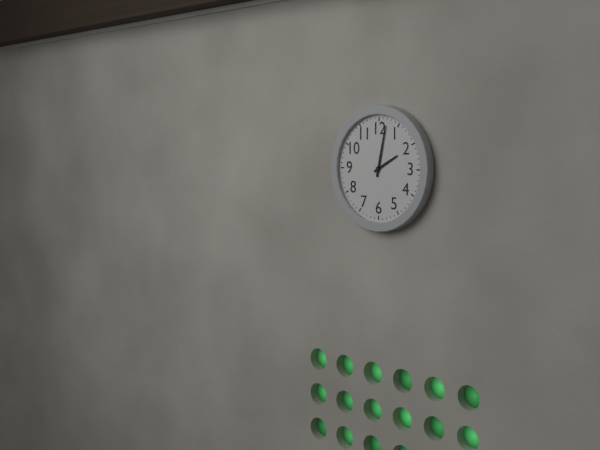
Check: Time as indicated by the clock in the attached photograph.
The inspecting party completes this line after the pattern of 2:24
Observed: 2:02
